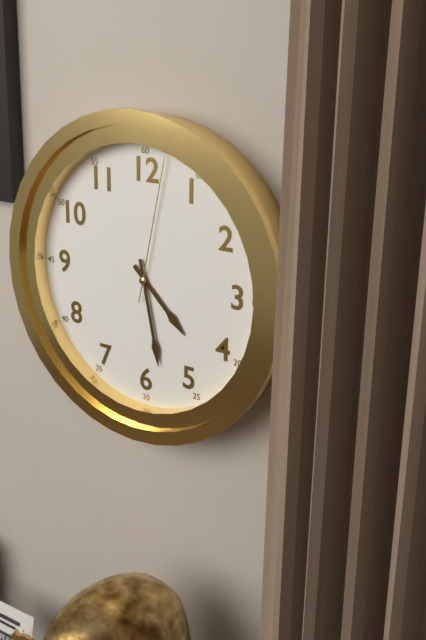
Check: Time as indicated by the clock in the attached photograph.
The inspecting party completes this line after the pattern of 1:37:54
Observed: 4:28:02
